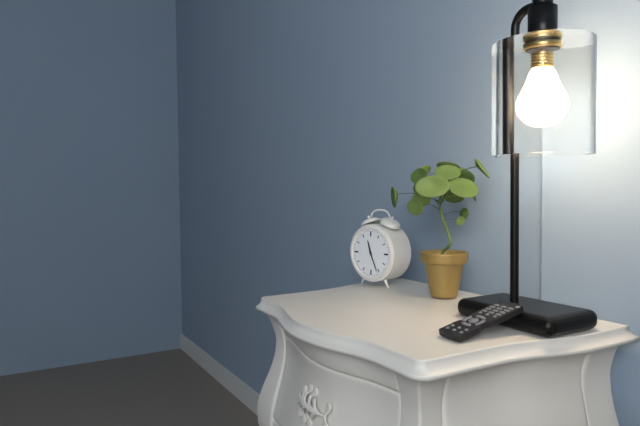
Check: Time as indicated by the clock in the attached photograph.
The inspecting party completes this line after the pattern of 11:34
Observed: 11:26
